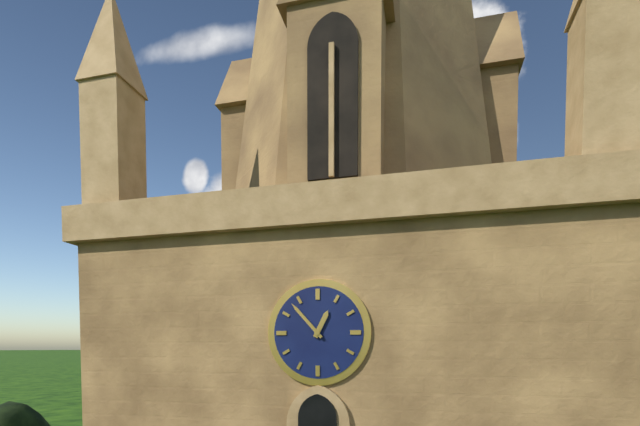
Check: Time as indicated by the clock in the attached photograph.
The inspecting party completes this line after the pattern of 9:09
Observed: 12:53
